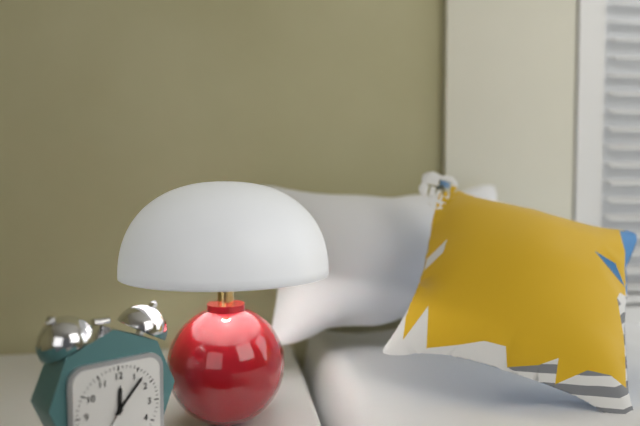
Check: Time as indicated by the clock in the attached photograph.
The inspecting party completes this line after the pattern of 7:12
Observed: 12:07
